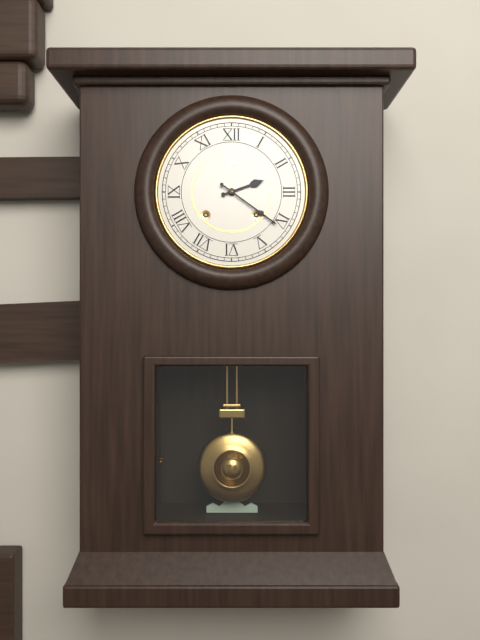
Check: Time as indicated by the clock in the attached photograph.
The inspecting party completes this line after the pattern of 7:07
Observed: 2:21
